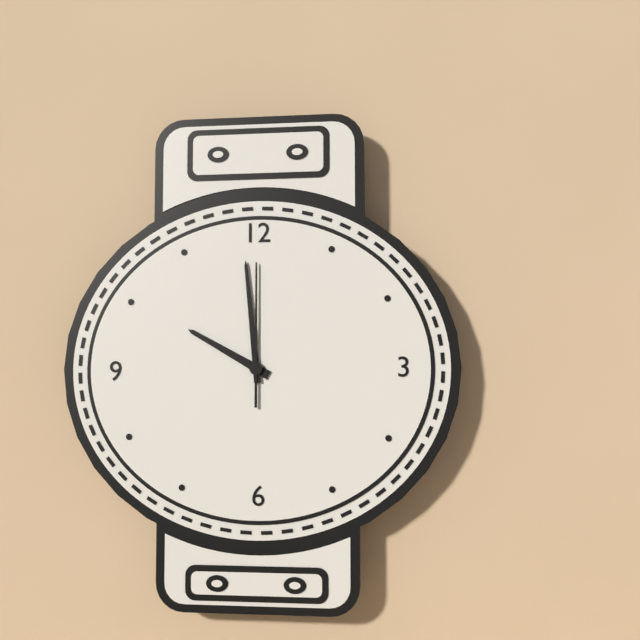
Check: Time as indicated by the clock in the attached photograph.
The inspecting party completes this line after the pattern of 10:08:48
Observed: 9:59:00
